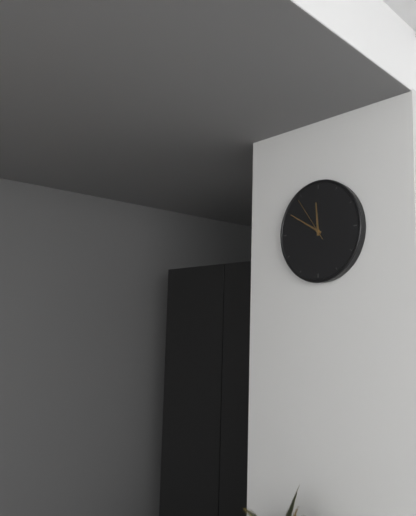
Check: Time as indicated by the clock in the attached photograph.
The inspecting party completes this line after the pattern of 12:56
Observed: 11:50
